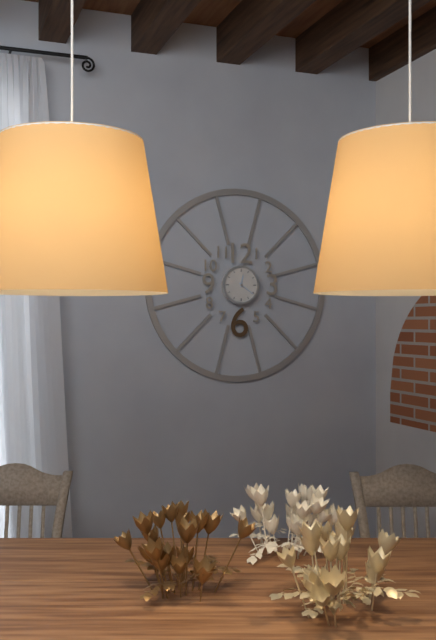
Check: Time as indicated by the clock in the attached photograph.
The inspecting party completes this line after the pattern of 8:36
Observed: 12:21
